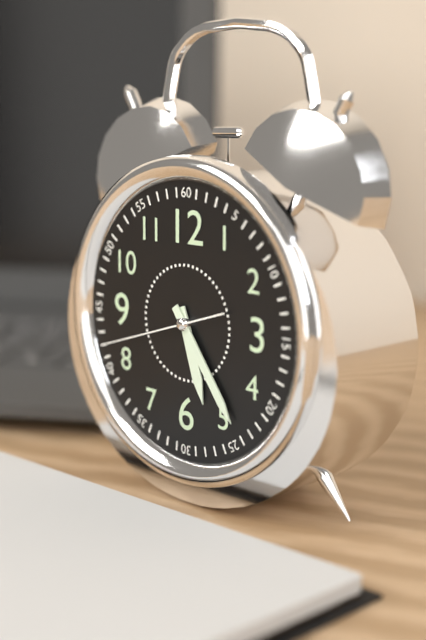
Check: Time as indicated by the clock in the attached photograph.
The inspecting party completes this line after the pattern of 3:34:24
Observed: 5:24:42
